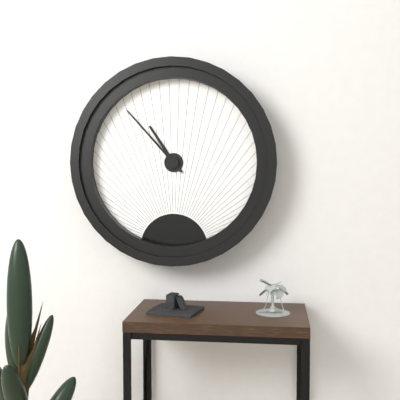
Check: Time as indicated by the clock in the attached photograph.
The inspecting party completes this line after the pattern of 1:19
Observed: 10:53
